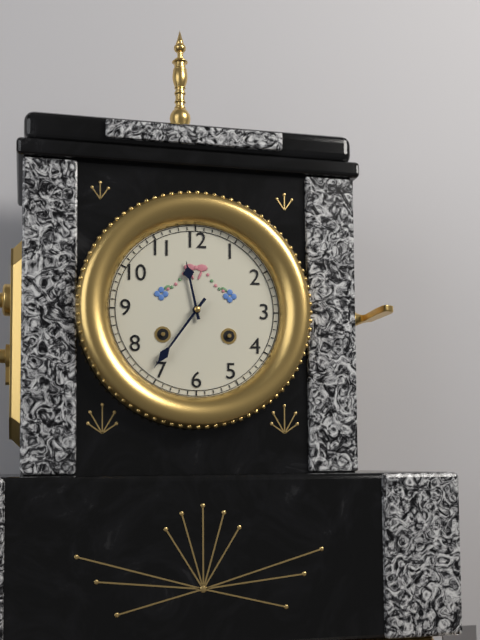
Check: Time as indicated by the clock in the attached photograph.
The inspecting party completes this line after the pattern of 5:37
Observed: 11:36
